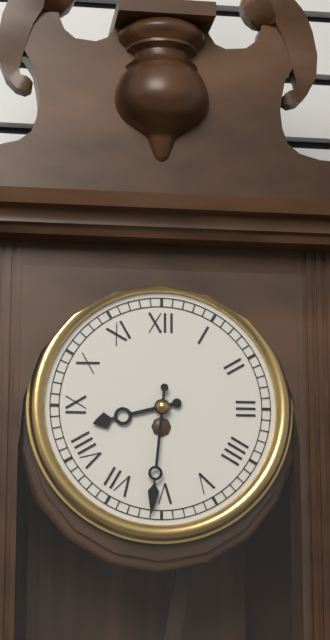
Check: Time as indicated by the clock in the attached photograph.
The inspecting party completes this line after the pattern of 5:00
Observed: 8:31
